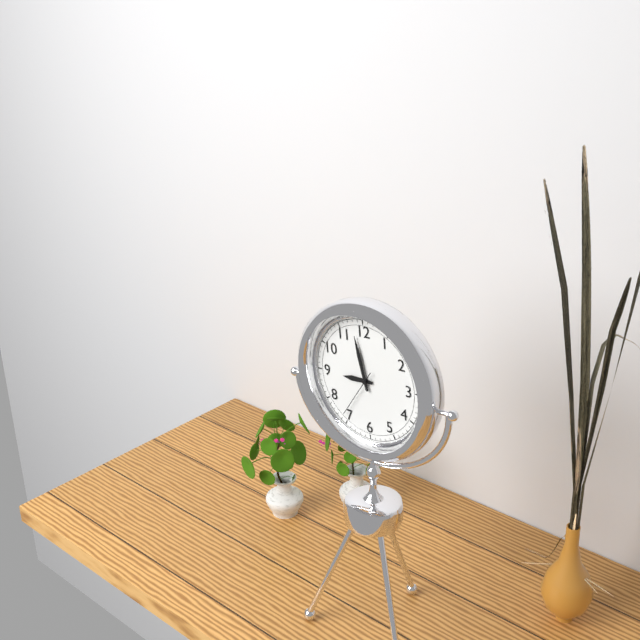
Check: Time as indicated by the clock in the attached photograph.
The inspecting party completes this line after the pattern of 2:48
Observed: 8:58
